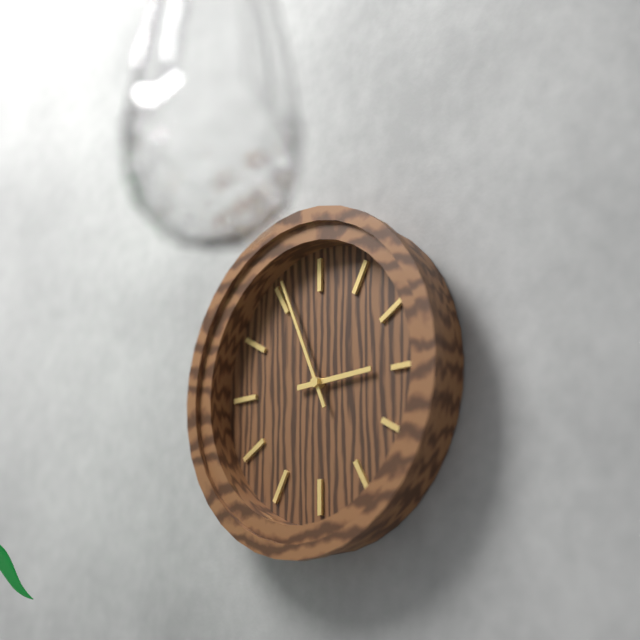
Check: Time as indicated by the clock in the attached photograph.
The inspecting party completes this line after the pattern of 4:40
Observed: 2:56
